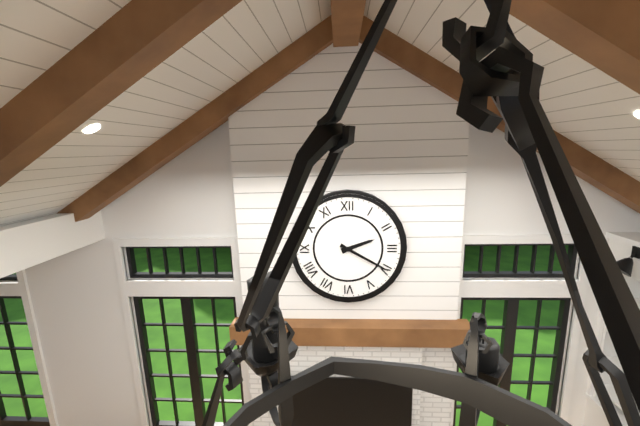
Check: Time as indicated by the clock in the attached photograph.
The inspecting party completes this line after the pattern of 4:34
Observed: 2:20
